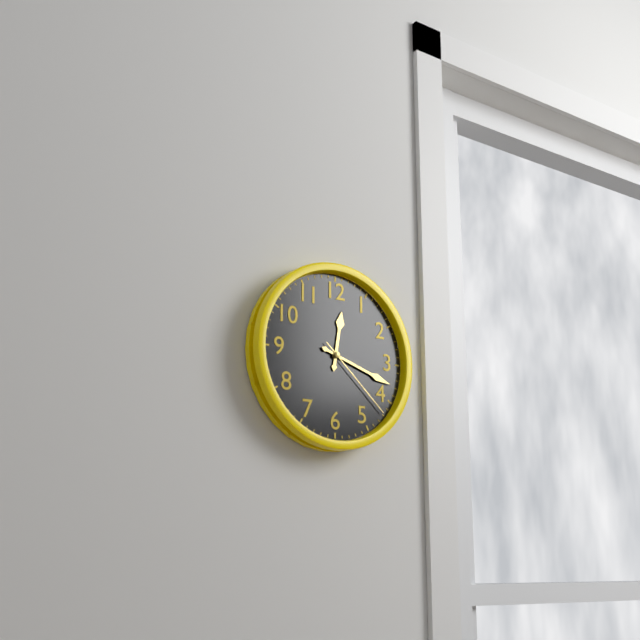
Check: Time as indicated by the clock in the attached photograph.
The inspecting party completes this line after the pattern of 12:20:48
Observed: 12:18:22
